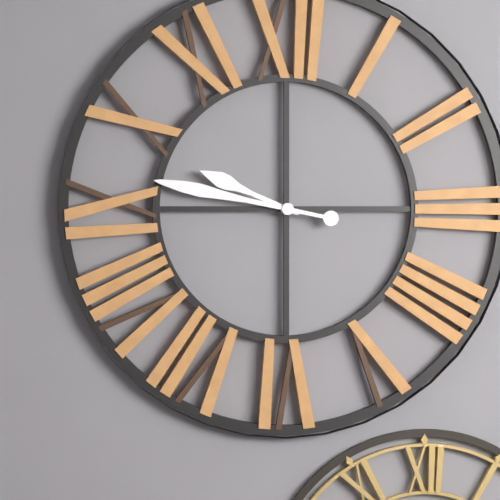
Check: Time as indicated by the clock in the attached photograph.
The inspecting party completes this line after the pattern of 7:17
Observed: 9:47
